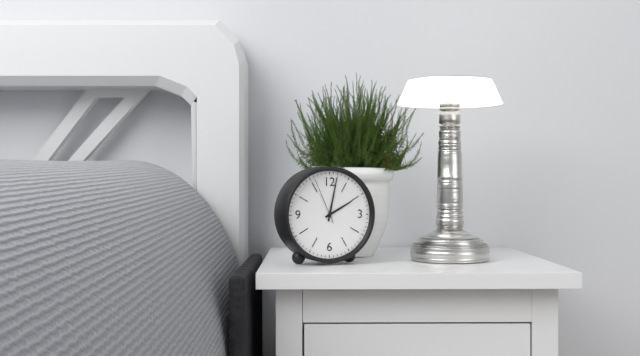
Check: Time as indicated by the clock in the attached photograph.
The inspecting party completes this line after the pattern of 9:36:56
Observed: 2:02:56
